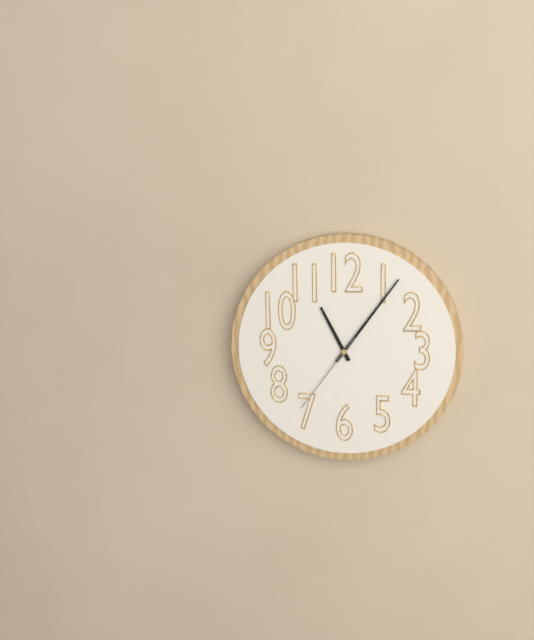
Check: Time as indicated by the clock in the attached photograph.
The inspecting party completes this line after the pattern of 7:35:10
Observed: 11:06:36
